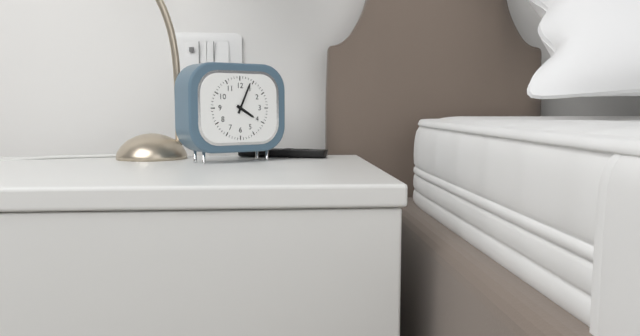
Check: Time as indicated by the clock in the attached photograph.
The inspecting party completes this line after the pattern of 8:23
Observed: 4:04
